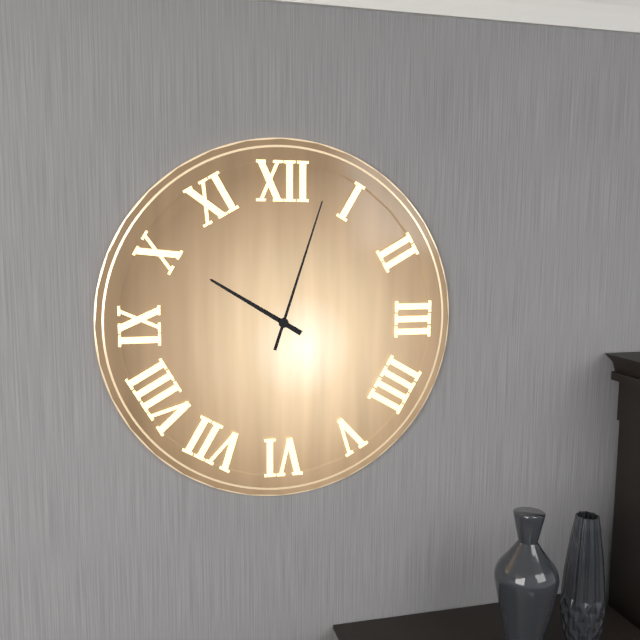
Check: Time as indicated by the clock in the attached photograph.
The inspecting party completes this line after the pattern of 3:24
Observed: 10:03
